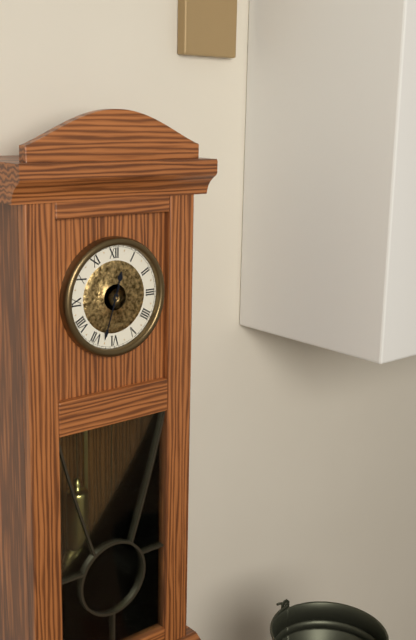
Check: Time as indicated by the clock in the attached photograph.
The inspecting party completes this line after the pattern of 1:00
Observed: 12:33
